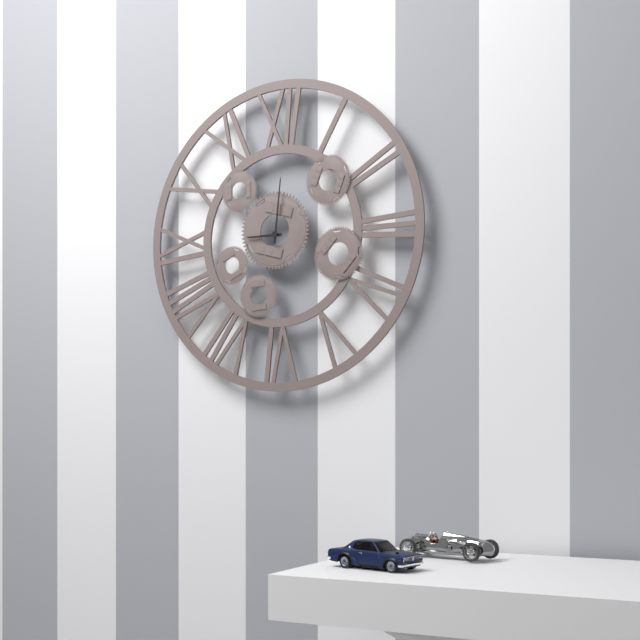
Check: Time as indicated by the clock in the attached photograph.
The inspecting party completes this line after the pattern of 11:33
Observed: 9:01
